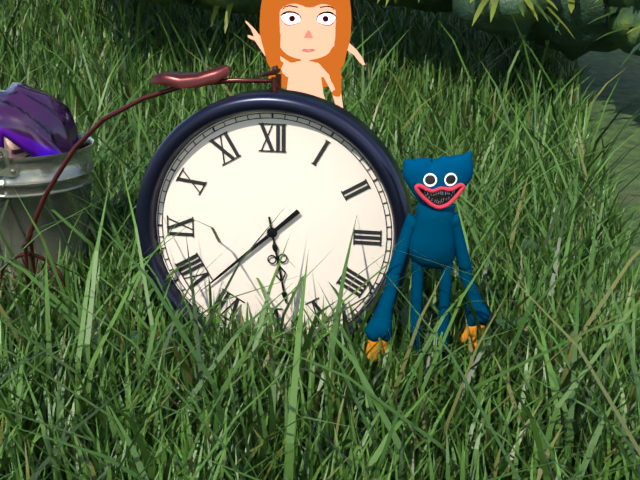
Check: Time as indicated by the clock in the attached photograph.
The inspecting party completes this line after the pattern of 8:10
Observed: 5:38
